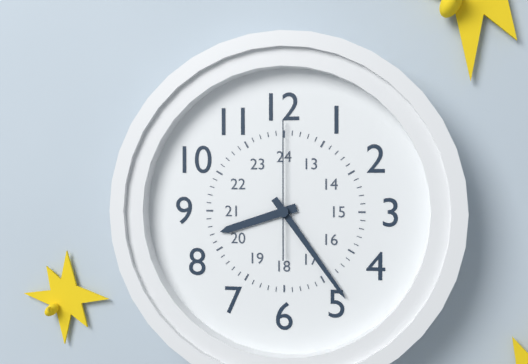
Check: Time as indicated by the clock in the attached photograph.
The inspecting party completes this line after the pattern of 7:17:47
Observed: 8:24:00
